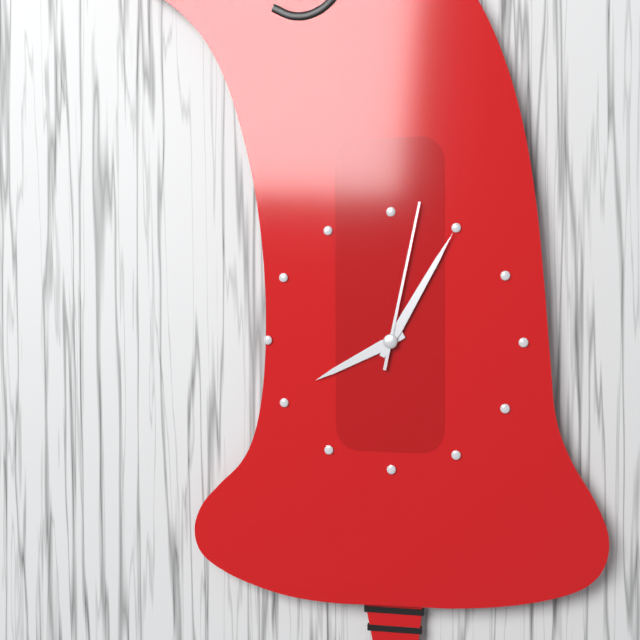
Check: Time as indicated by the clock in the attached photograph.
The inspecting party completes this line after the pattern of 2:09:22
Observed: 8:05:02
